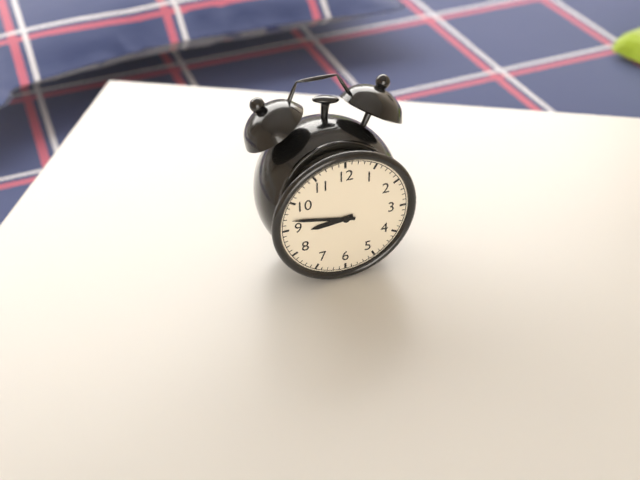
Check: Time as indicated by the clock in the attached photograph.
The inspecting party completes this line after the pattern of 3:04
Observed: 8:47
